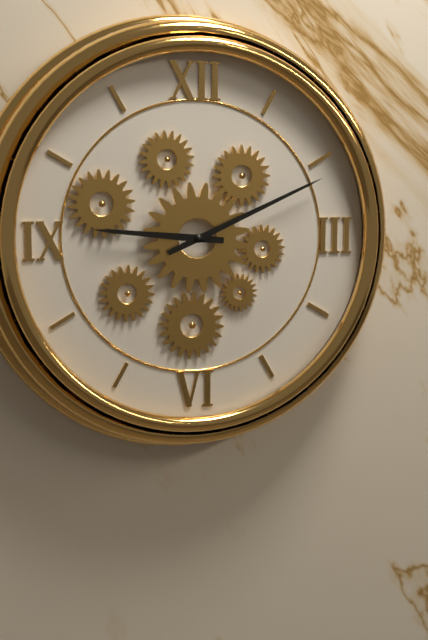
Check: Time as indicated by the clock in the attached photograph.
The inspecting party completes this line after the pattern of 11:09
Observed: 9:11
